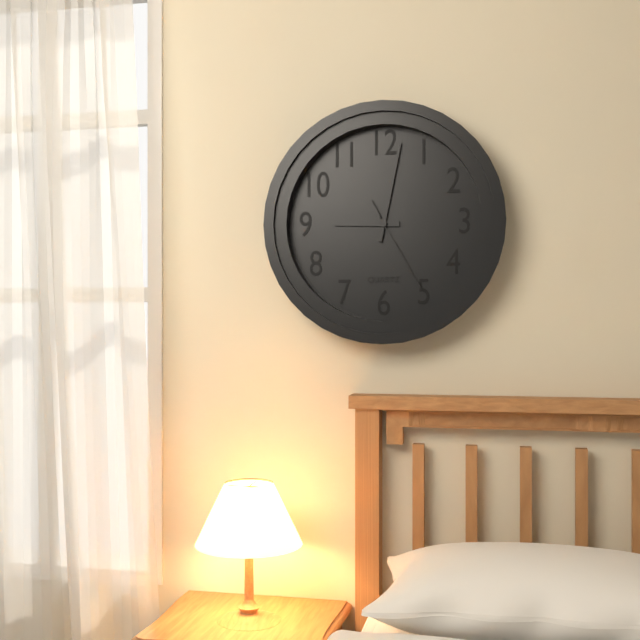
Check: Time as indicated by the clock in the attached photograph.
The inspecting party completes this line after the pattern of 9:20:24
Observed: 9:02:25
